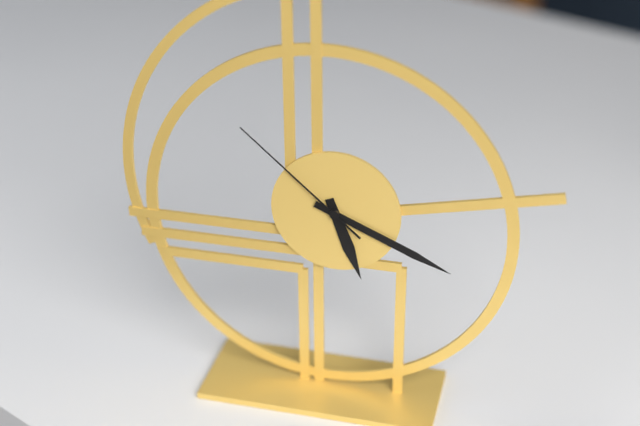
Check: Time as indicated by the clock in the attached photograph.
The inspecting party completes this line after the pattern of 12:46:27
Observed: 5:19:52
